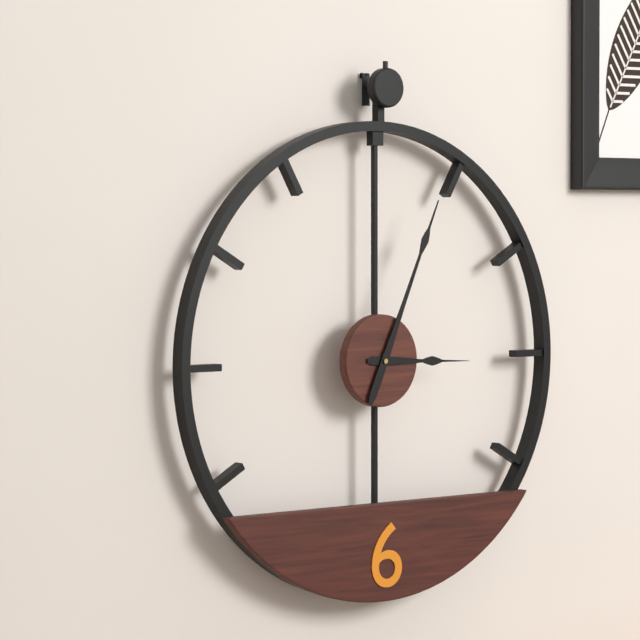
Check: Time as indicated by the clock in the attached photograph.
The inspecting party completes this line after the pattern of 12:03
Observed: 3:04
